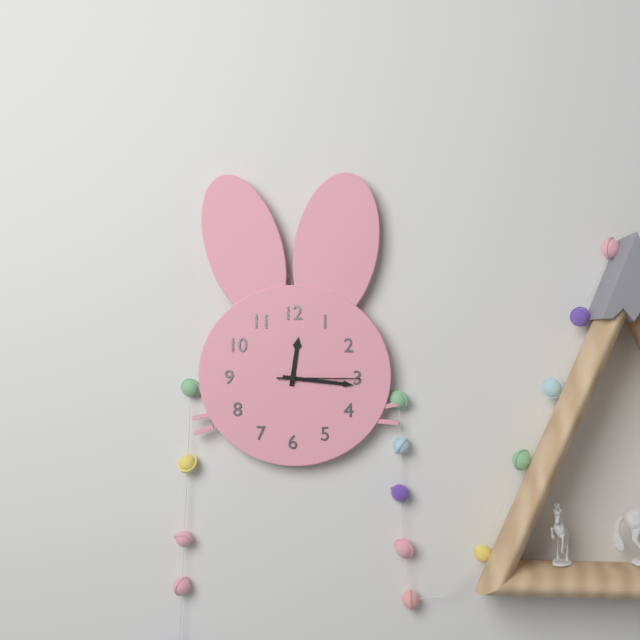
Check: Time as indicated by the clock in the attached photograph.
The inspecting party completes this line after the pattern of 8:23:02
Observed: 12:16:15
